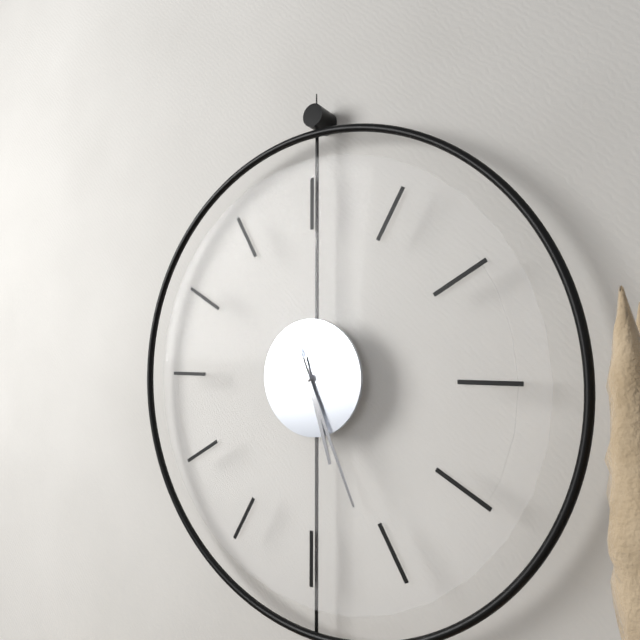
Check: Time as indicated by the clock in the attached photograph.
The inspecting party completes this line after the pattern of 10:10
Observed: 5:26
